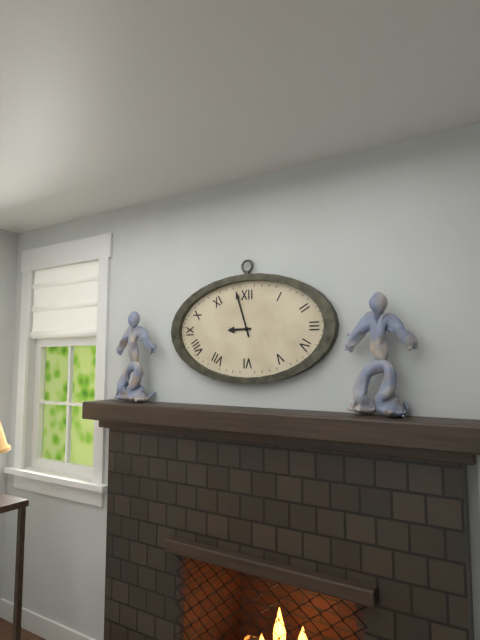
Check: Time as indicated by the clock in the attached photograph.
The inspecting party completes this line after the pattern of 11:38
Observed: 8:57
